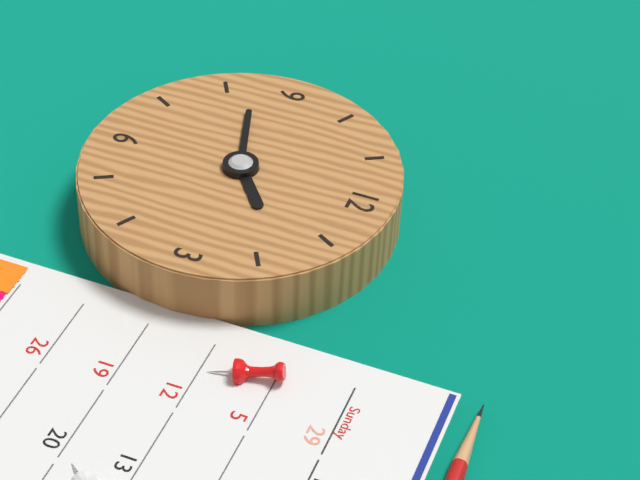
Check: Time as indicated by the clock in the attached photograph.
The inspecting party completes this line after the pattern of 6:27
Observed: 1:42
